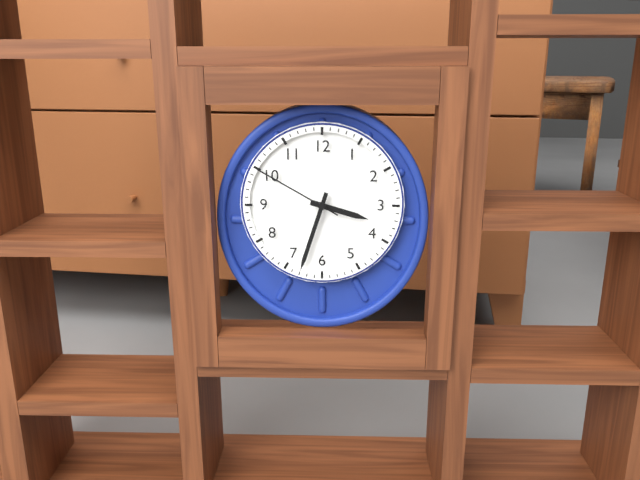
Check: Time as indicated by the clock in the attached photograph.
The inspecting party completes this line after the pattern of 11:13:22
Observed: 3:33:50
